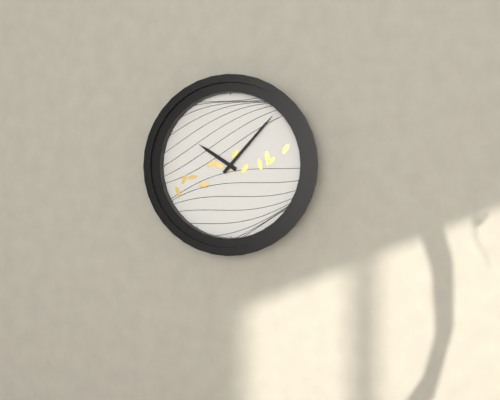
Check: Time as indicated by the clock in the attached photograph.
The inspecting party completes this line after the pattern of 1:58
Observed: 10:07
